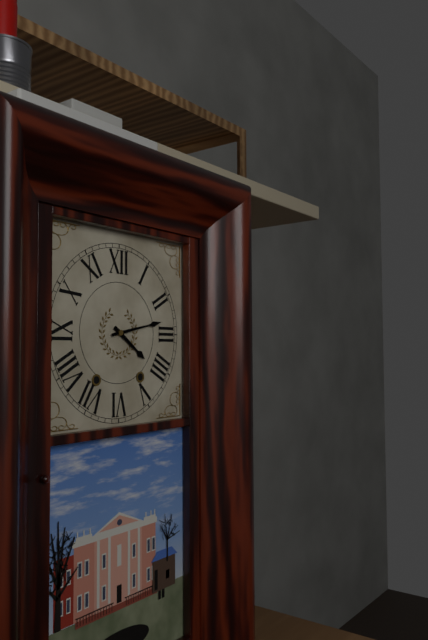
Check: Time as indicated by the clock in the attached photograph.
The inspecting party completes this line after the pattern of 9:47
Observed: 4:13
